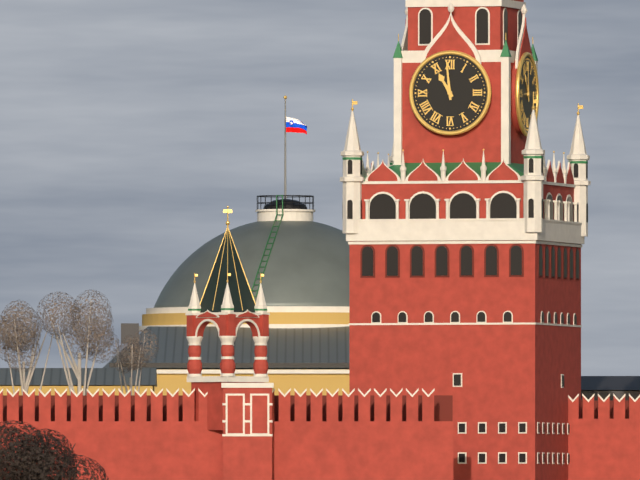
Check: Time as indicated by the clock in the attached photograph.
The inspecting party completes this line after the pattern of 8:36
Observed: 10:59
